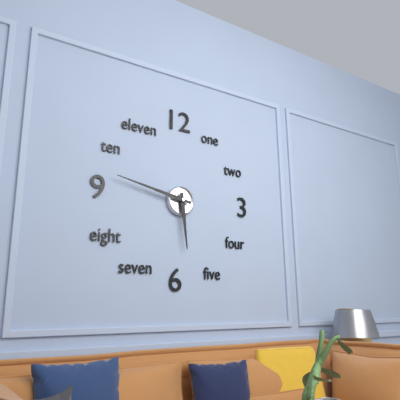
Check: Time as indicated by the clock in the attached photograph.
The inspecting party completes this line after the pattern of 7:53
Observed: 5:47
